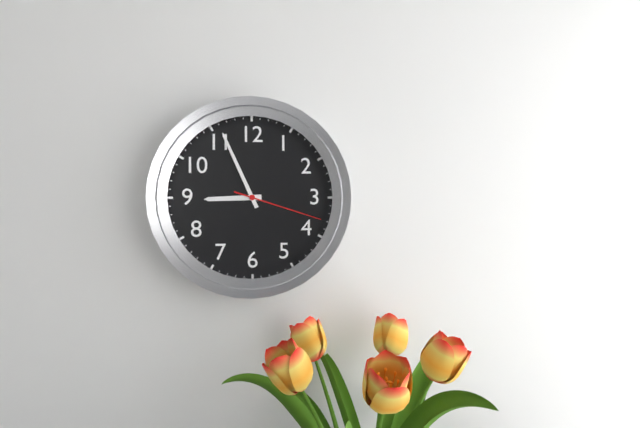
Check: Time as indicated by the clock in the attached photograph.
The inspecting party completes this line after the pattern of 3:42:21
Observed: 8:56:18
